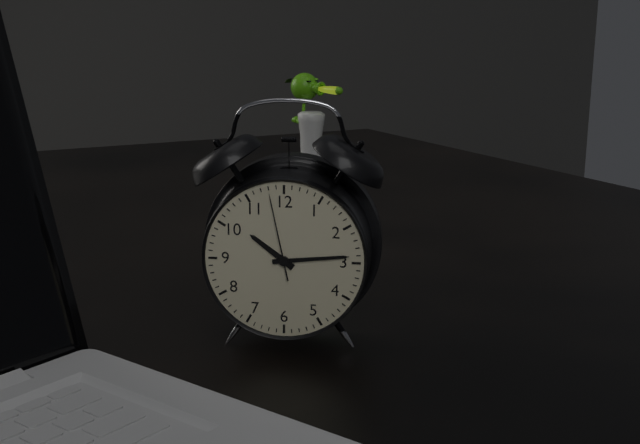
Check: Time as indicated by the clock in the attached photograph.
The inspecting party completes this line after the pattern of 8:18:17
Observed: 10:14:58
